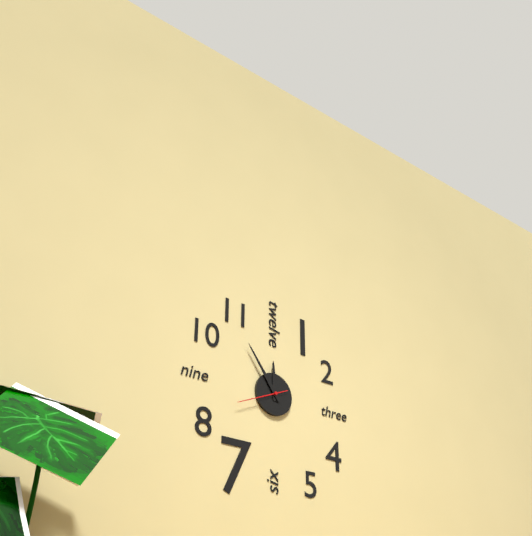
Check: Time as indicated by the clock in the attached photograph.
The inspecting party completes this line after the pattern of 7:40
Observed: 11:54
